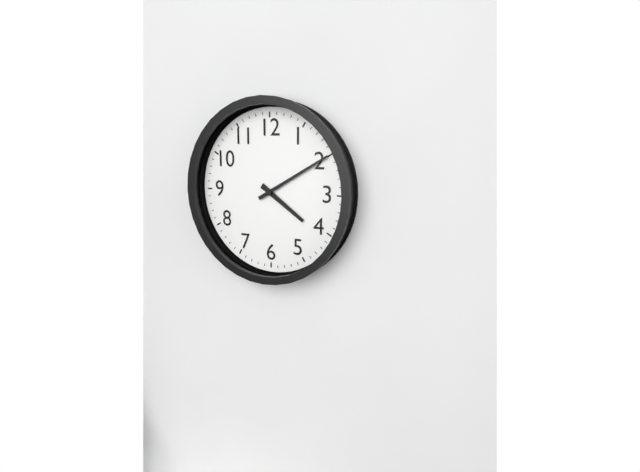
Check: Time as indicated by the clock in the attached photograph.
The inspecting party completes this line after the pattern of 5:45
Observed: 4:10
